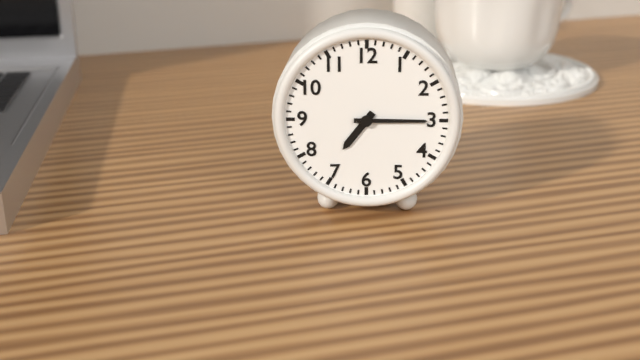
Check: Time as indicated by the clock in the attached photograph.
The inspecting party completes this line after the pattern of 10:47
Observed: 7:15
